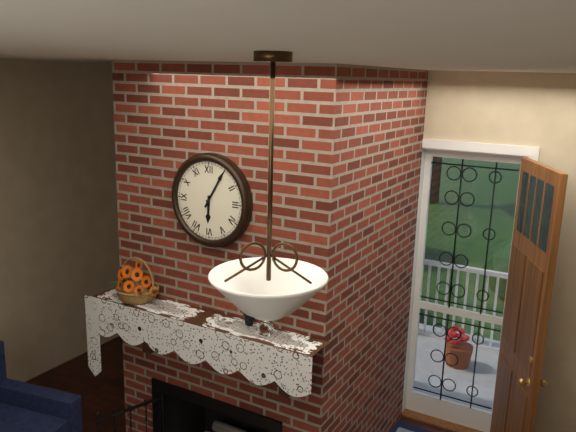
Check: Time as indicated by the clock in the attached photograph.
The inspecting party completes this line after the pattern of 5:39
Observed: 6:05
